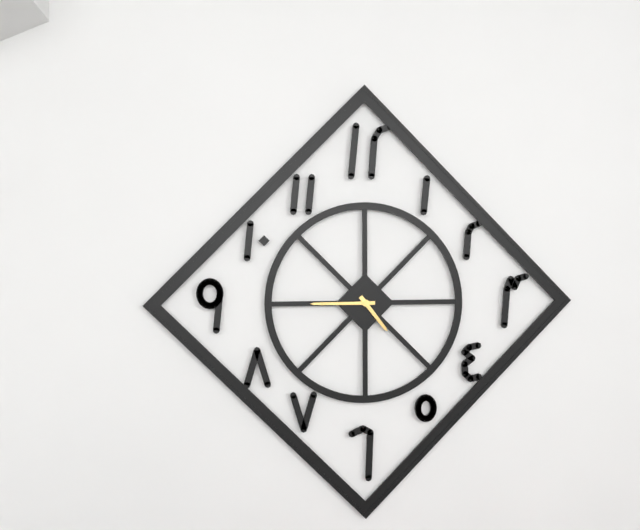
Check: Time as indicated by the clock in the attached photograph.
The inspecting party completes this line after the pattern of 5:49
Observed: 4:45
